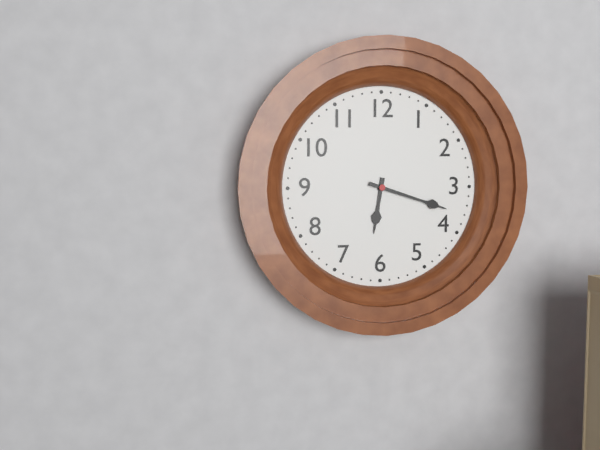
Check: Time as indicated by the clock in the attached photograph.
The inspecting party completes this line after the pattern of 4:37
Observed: 6:18
